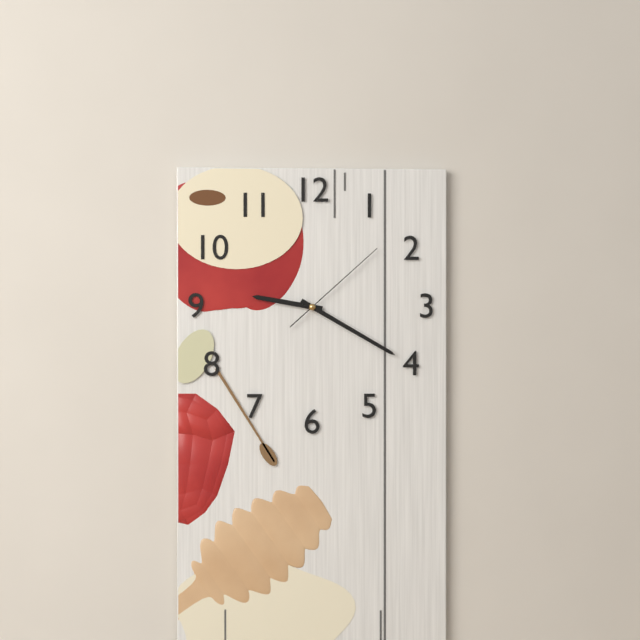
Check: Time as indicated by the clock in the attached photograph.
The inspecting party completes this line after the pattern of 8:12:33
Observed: 9:20:08
